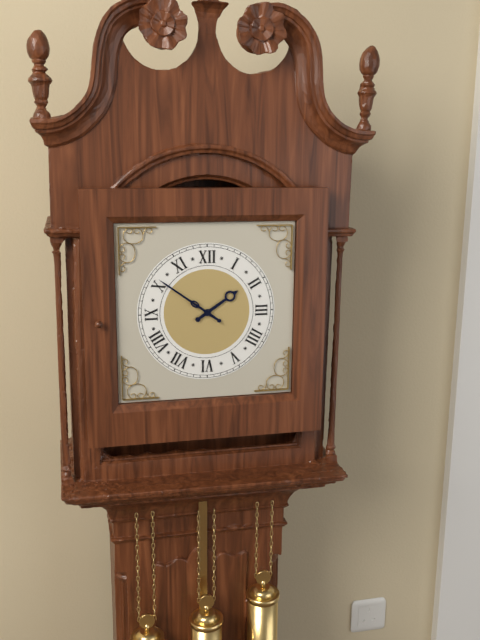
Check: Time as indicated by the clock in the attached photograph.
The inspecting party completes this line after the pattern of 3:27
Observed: 1:51
